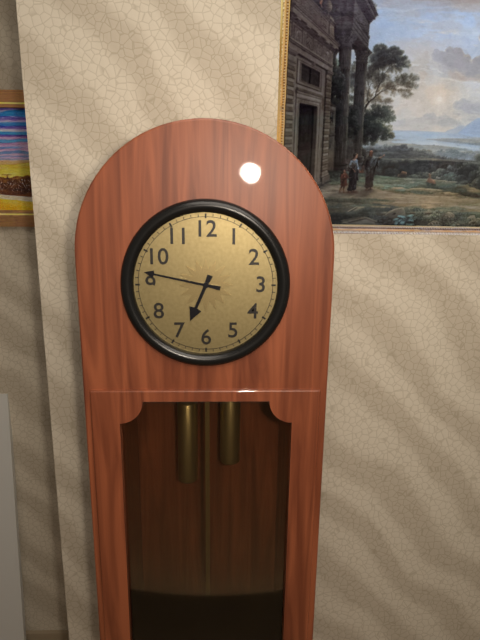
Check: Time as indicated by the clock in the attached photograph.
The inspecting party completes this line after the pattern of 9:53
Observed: 6:47
